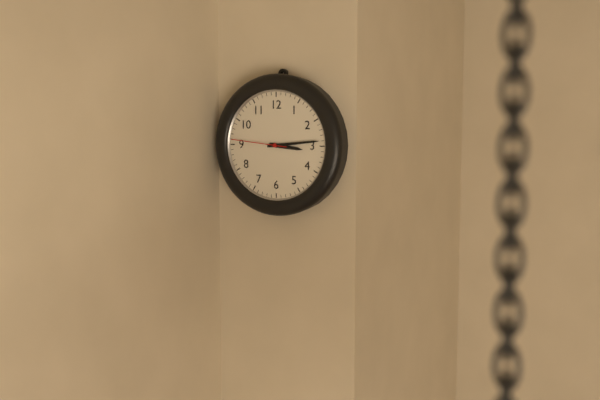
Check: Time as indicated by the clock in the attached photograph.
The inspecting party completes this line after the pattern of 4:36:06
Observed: 3:14:46
